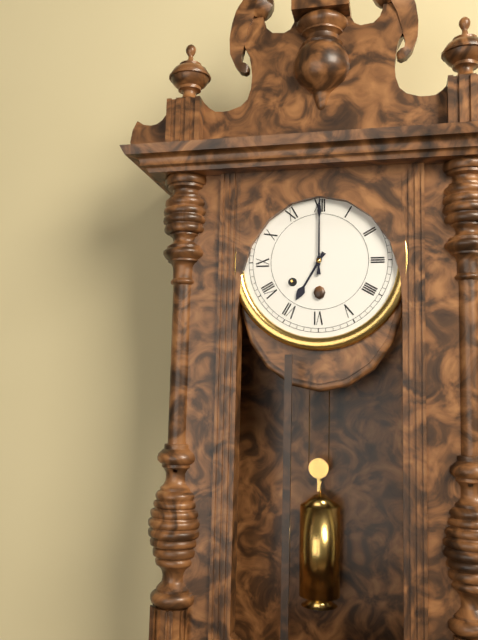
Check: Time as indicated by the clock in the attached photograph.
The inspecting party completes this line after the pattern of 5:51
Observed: 7:00
